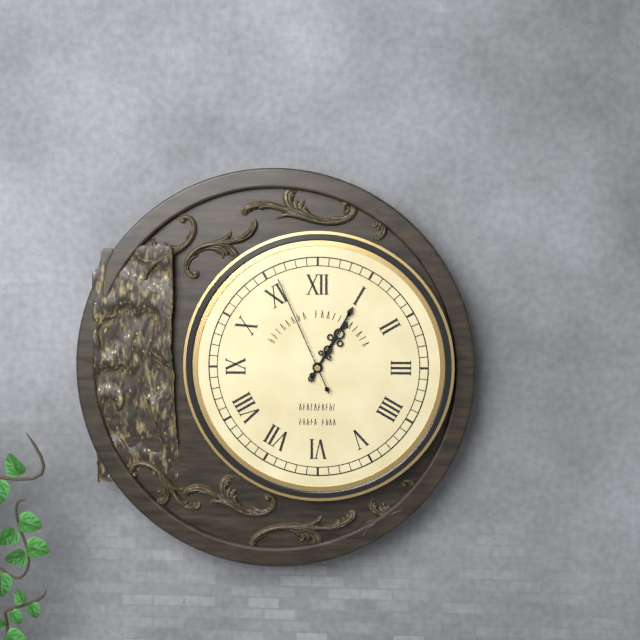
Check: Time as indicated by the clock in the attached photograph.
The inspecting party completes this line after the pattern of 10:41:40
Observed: 1:05:56
